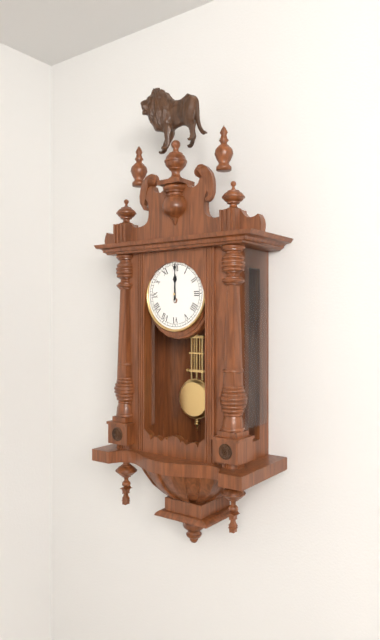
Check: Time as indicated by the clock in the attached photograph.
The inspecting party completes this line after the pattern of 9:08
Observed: 12:00
